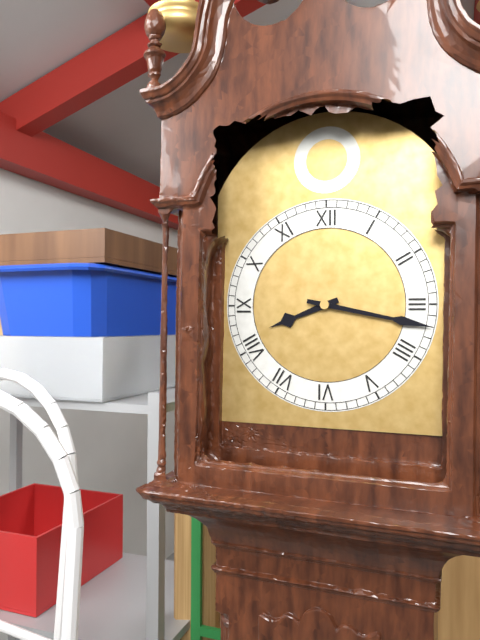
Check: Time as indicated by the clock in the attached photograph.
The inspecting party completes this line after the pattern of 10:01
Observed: 8:17
